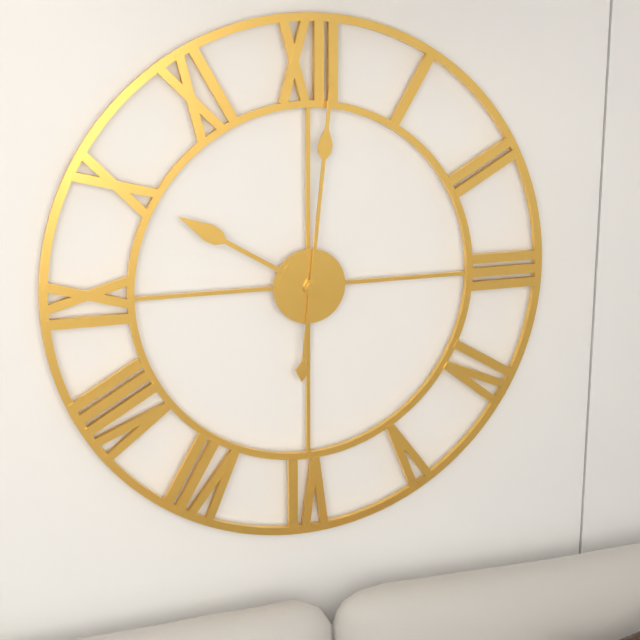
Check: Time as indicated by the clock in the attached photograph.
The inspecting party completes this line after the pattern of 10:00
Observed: 10:01
